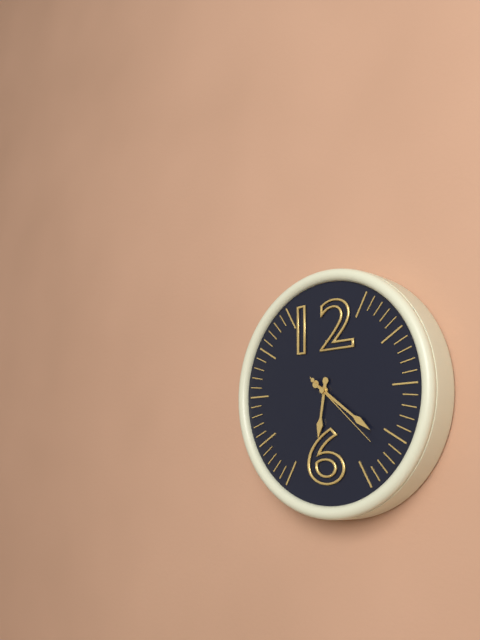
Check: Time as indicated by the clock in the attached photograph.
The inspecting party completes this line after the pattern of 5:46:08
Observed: 6:21:22
